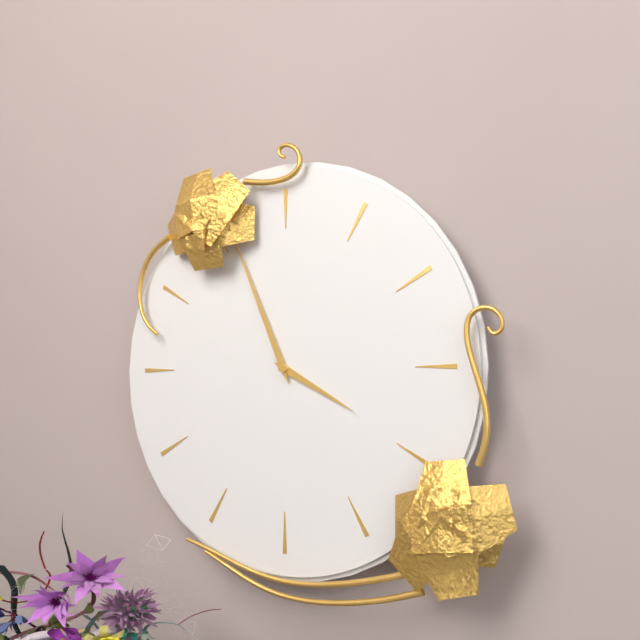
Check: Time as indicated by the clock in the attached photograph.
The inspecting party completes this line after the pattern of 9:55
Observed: 3:56
